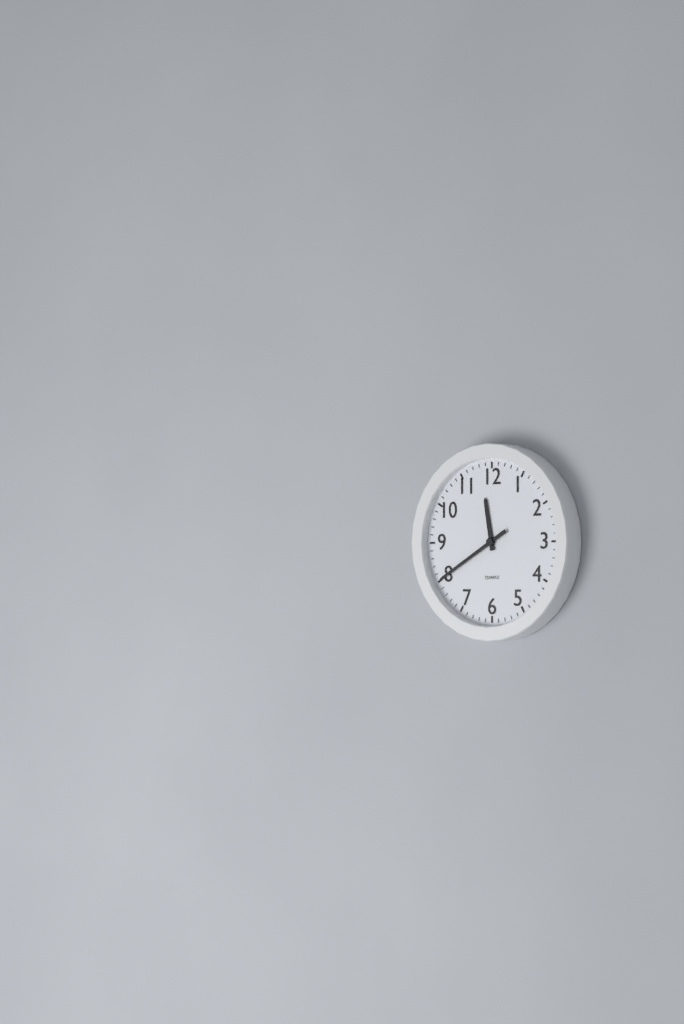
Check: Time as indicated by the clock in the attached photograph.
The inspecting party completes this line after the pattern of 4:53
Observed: 11:40
